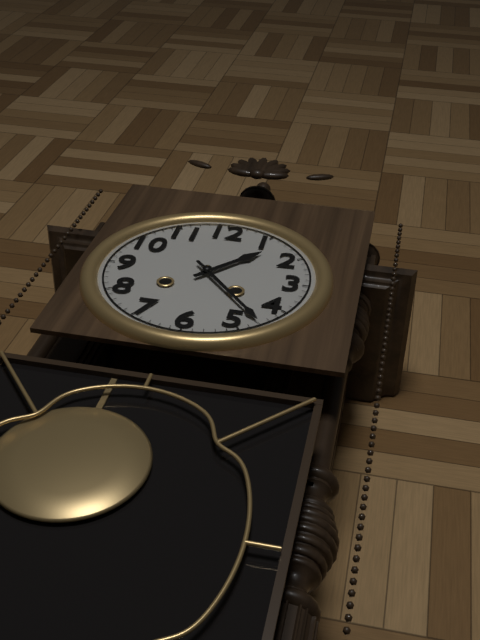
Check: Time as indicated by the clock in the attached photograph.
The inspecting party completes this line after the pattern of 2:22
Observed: 1:23
